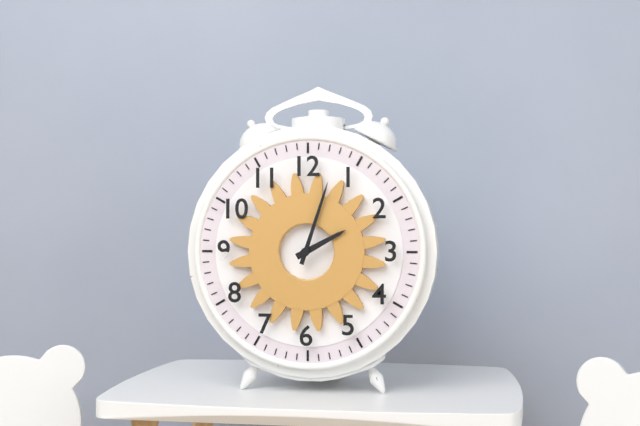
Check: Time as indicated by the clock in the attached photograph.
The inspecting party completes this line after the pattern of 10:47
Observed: 2:03
